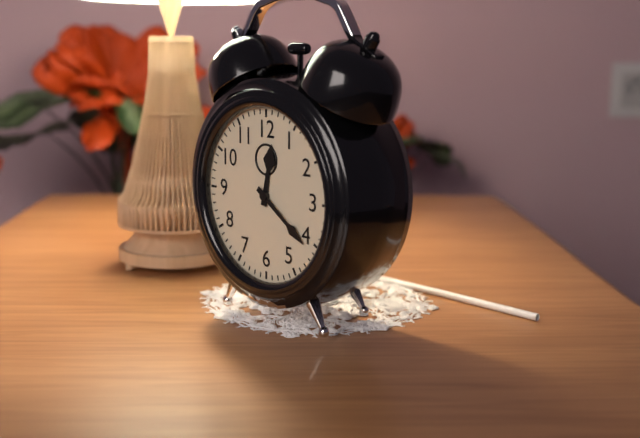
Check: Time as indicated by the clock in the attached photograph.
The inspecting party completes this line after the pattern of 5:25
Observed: 12:21
